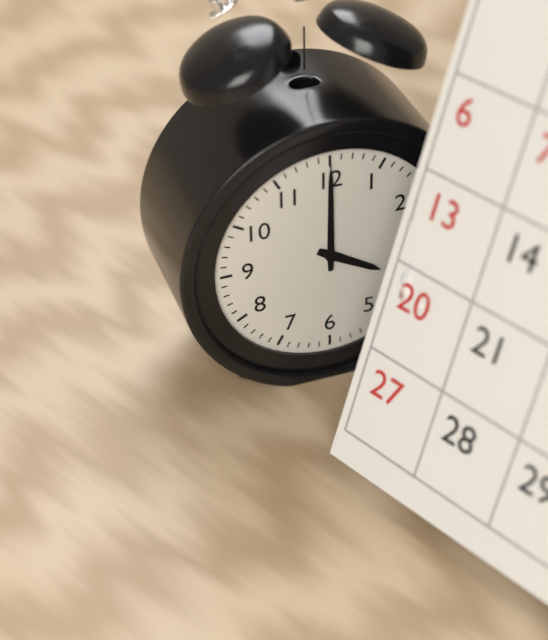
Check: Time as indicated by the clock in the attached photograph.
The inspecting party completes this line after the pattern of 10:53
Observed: 4:00
